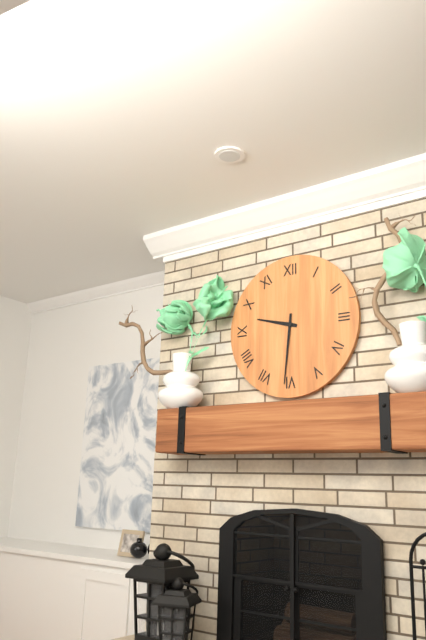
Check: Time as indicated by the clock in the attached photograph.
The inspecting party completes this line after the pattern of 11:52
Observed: 9:31
